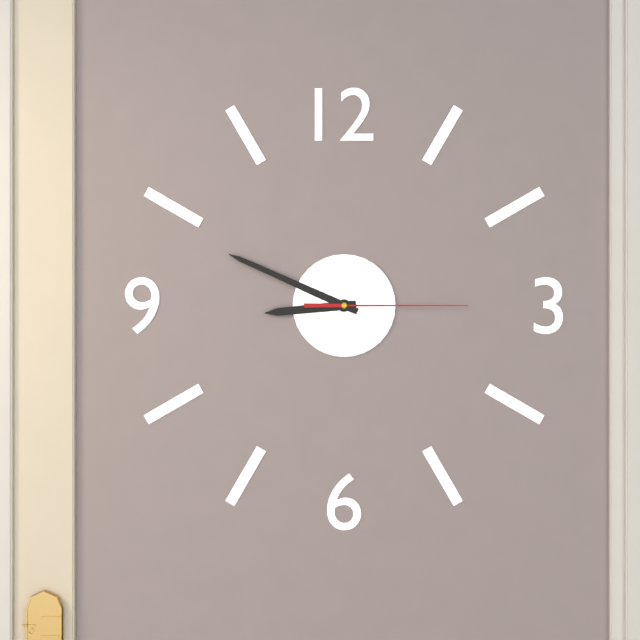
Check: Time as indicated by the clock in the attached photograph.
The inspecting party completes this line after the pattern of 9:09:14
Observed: 8:49:15
